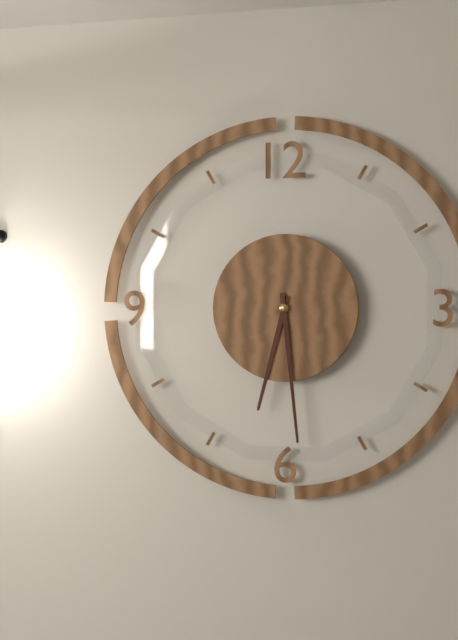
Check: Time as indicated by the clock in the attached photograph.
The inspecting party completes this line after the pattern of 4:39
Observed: 6:29
